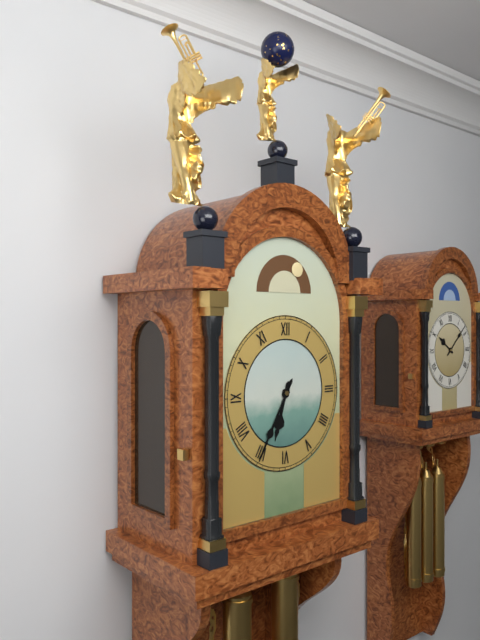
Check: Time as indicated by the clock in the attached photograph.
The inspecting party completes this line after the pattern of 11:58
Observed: 6:35
